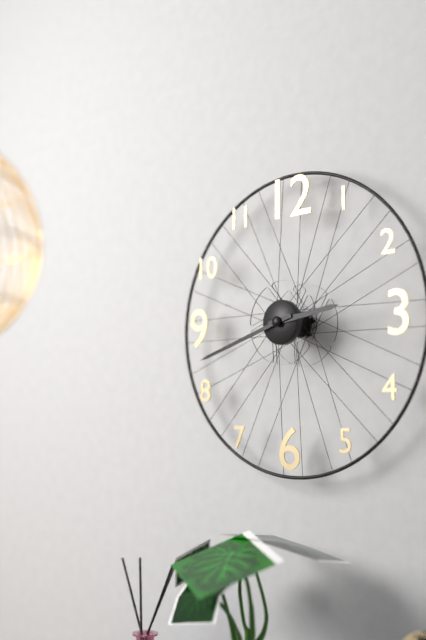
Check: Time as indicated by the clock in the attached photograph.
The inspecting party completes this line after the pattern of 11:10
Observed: 2:42
